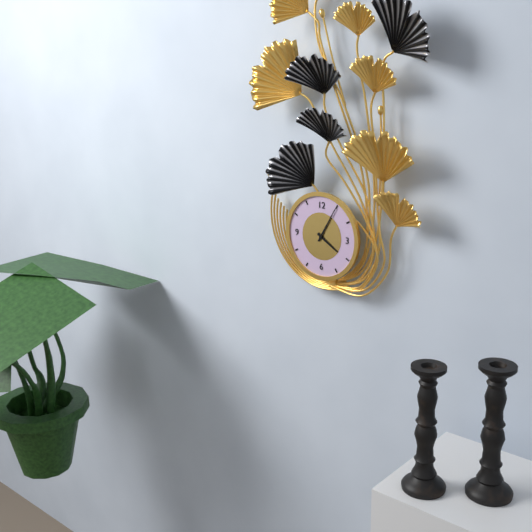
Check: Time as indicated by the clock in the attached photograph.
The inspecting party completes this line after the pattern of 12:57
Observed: 4:05
